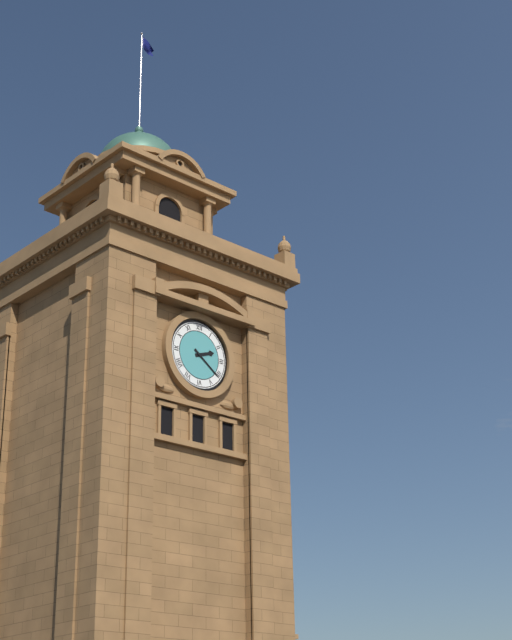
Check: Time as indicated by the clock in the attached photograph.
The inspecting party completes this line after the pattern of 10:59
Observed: 2:21
